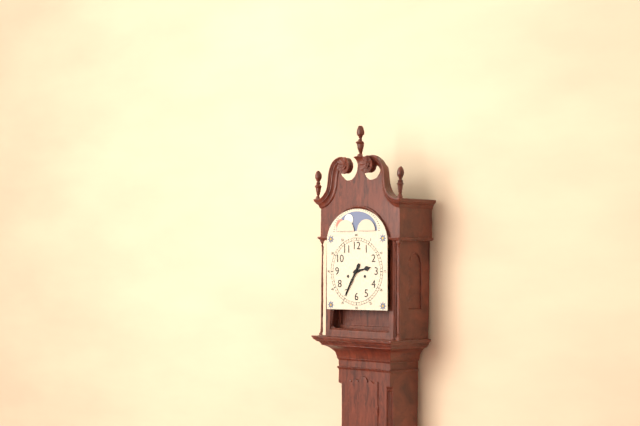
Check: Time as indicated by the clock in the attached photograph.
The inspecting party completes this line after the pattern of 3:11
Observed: 2:35
